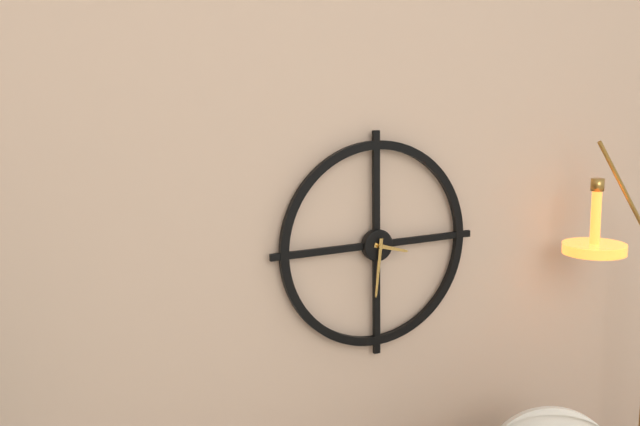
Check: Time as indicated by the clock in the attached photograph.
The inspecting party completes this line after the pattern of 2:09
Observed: 3:31
